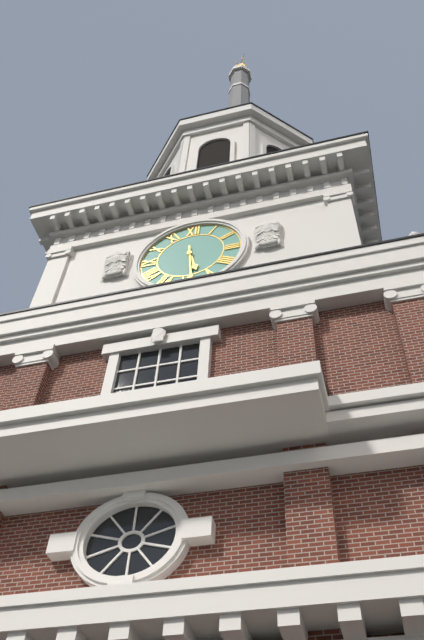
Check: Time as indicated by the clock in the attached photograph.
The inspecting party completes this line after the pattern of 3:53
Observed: 5:29
